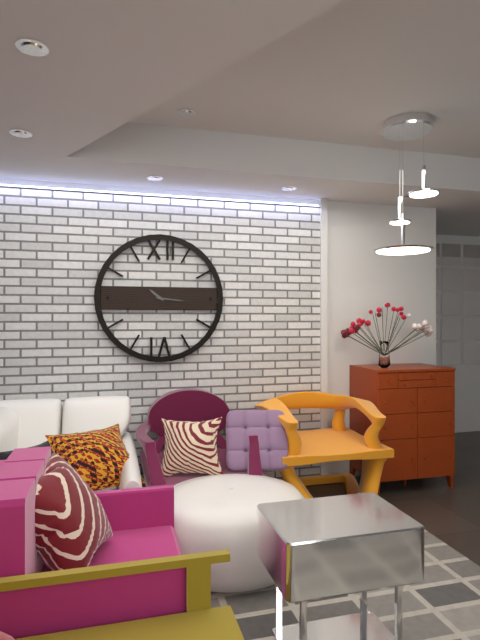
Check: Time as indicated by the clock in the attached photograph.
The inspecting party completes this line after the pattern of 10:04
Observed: 10:16
